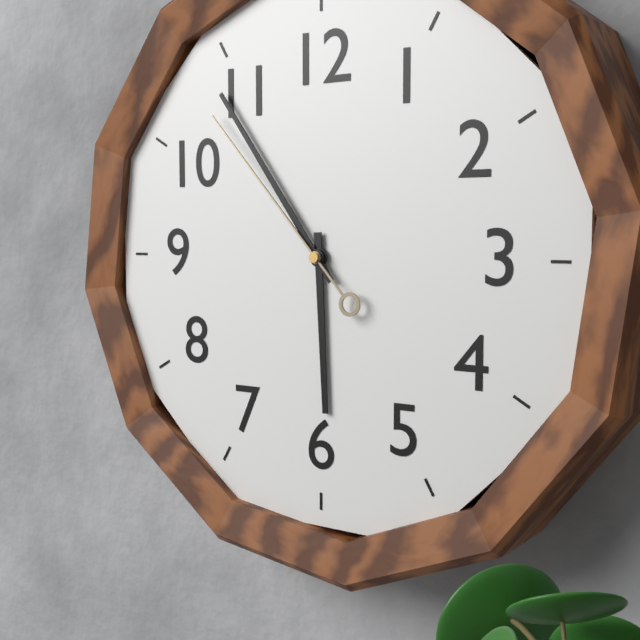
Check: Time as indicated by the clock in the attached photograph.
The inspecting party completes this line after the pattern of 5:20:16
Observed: 5:54:53
